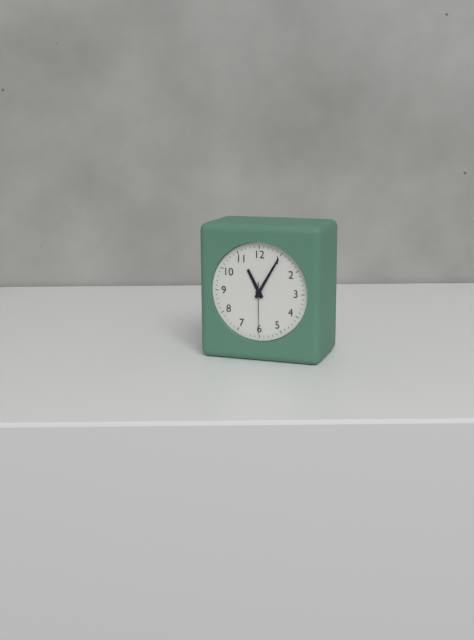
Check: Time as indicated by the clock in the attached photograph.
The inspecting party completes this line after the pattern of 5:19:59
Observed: 11:05:30
